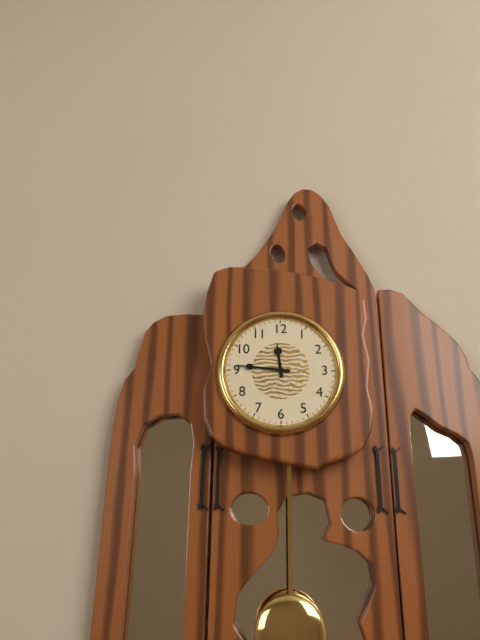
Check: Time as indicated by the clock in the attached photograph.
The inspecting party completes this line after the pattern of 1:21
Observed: 11:46
